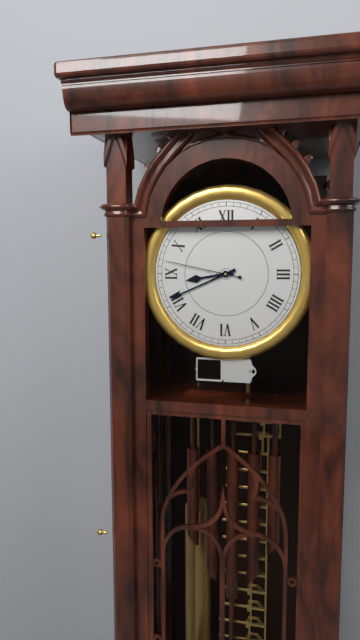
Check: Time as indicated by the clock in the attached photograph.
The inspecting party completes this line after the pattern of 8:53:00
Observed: 8:41:47
